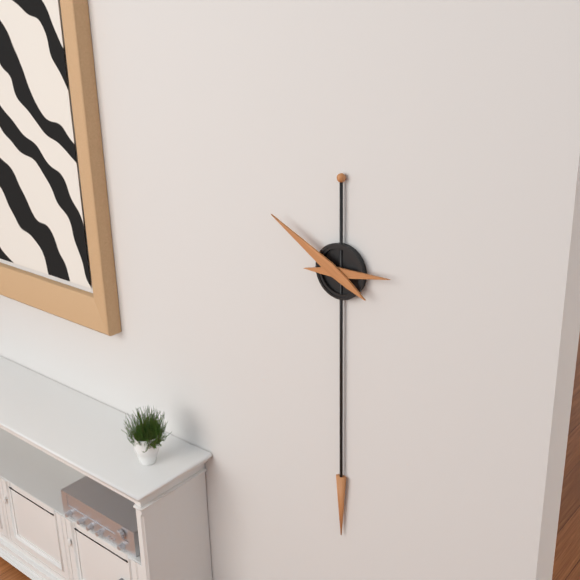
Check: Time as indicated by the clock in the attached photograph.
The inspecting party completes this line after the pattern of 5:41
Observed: 2:50
